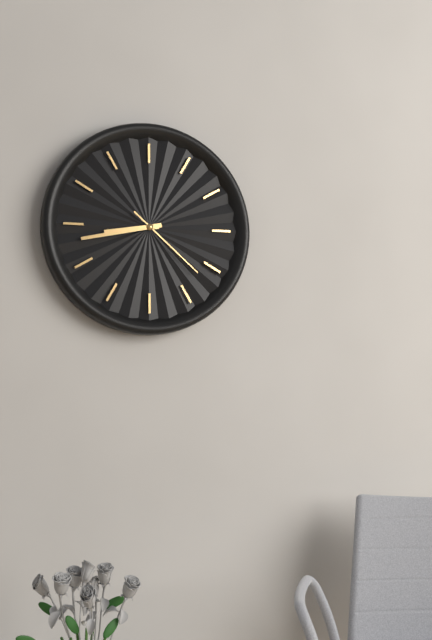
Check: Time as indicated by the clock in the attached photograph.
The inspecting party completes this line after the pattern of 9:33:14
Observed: 8:43:22
